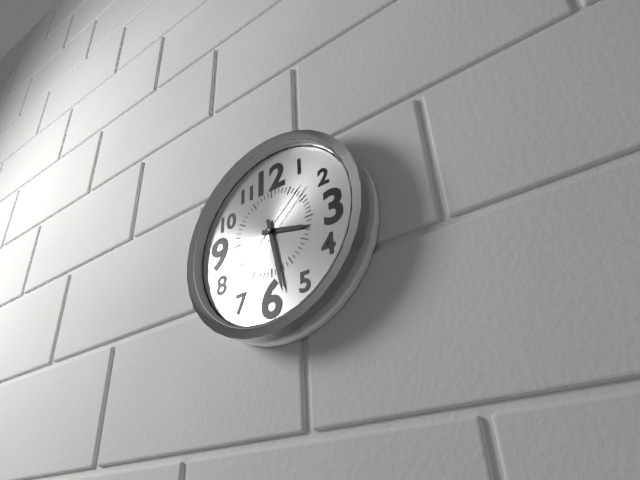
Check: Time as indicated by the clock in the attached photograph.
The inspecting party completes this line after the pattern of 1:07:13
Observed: 3:28:08
